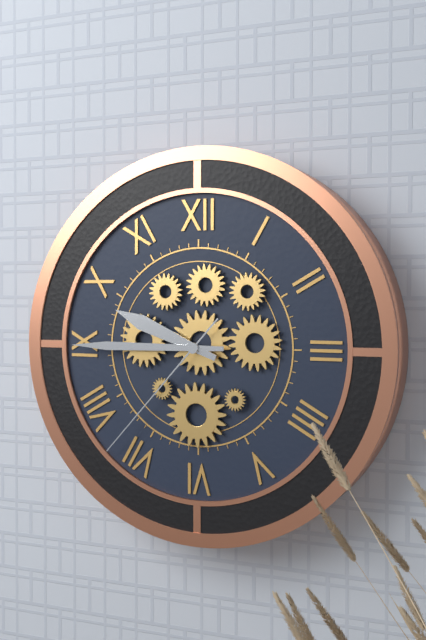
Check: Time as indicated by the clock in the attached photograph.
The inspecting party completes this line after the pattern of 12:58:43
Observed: 9:45:37
